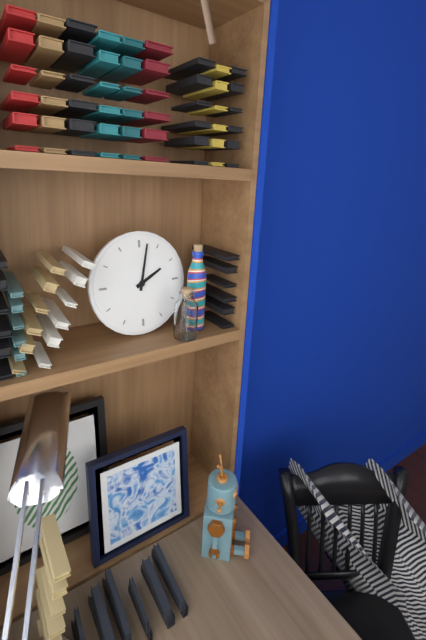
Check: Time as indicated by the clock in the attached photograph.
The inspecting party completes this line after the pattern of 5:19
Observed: 2:02
